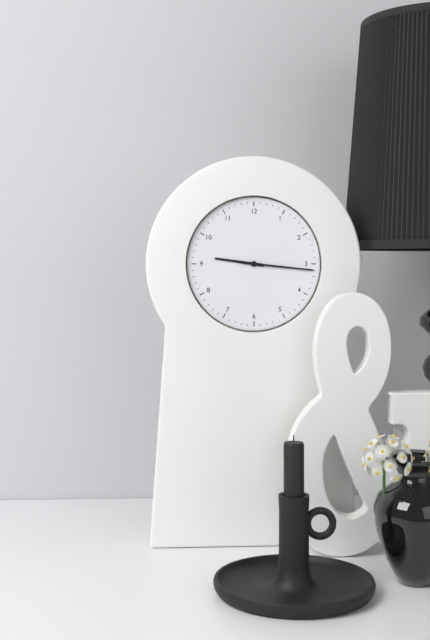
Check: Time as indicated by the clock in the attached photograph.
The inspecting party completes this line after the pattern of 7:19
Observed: 9:16
